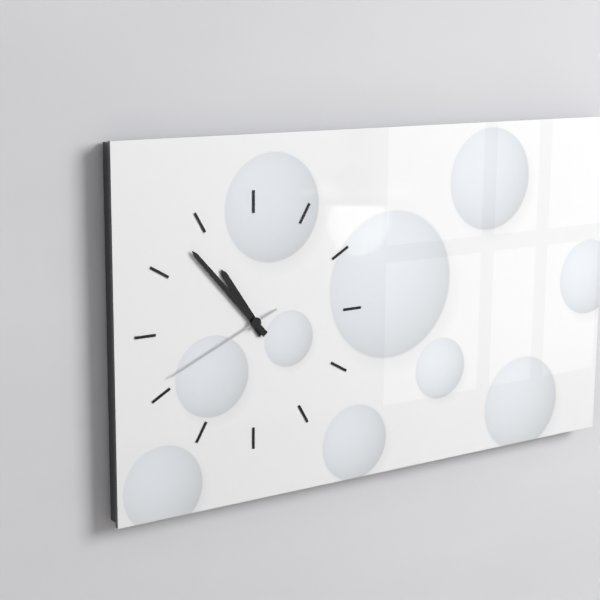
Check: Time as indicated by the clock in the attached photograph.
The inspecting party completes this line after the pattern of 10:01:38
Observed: 10:53:41
